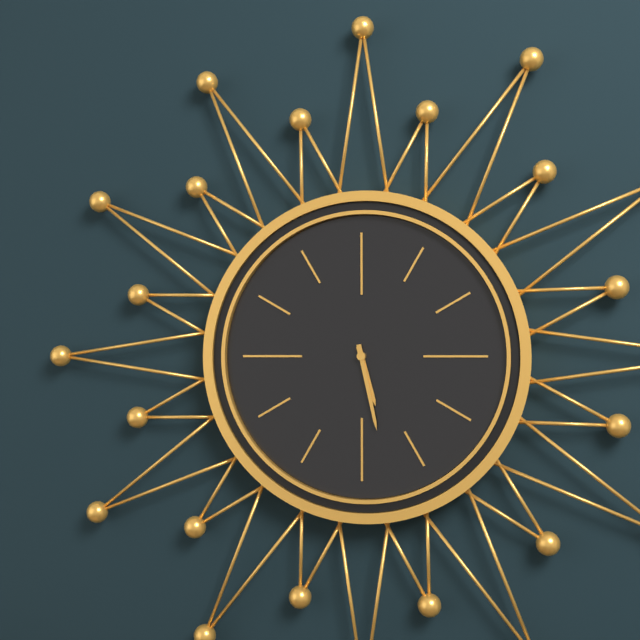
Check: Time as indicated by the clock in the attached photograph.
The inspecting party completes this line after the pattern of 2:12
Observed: 5:28
